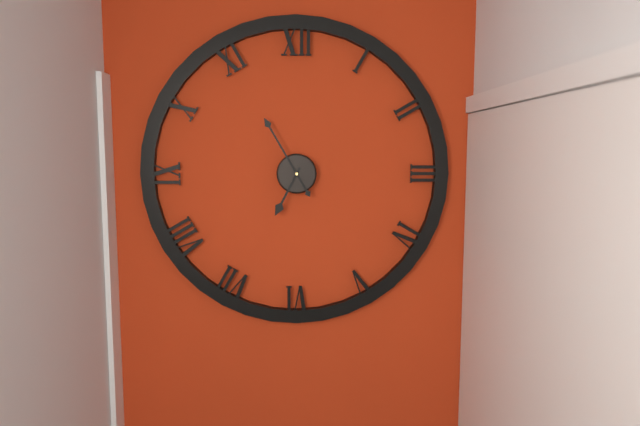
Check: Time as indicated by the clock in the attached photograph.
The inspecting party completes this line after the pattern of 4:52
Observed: 6:55
